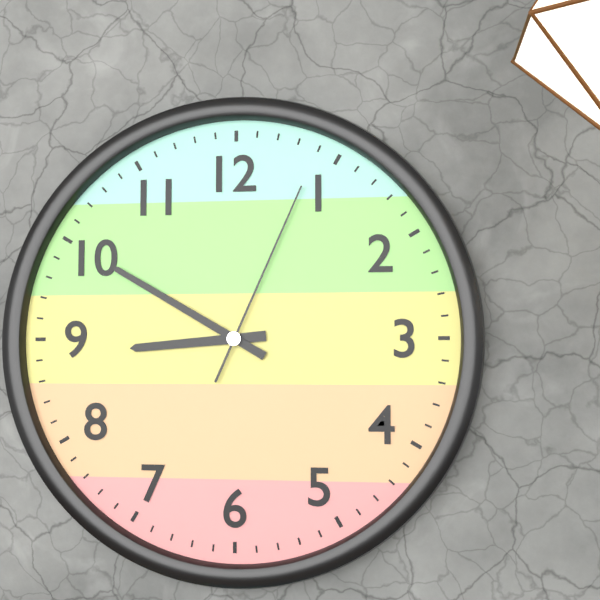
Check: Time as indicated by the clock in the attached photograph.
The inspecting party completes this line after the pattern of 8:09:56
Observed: 8:50:04
